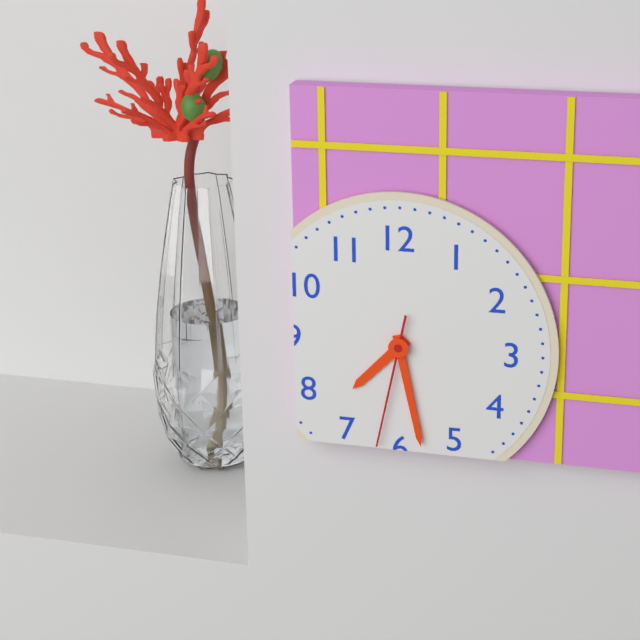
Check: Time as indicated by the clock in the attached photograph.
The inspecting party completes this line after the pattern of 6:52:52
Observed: 7:28:32
